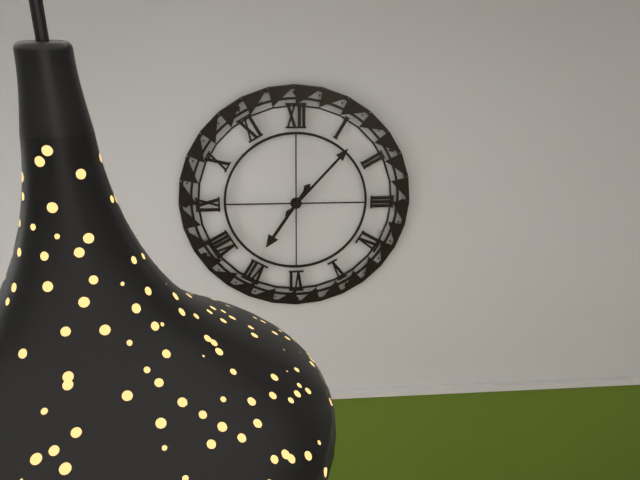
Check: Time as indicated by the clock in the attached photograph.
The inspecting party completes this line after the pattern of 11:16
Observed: 7:07
